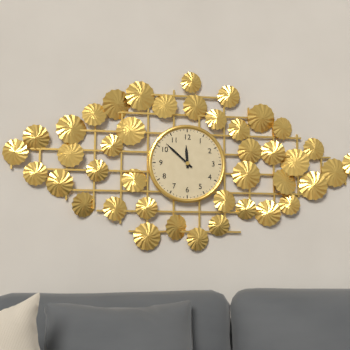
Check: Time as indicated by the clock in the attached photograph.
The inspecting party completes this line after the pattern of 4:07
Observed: 11:52
